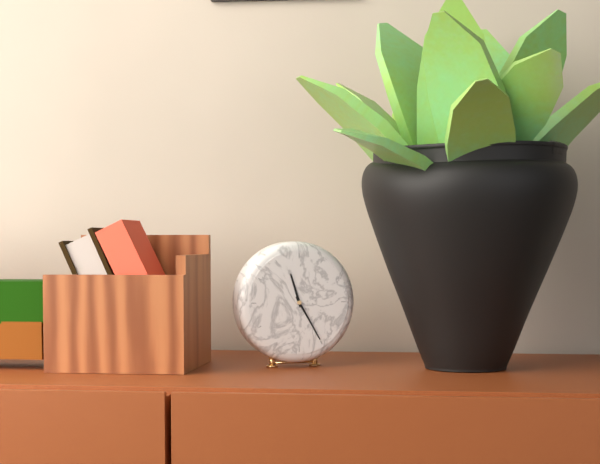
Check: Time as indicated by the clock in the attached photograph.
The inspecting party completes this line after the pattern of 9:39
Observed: 11:25
